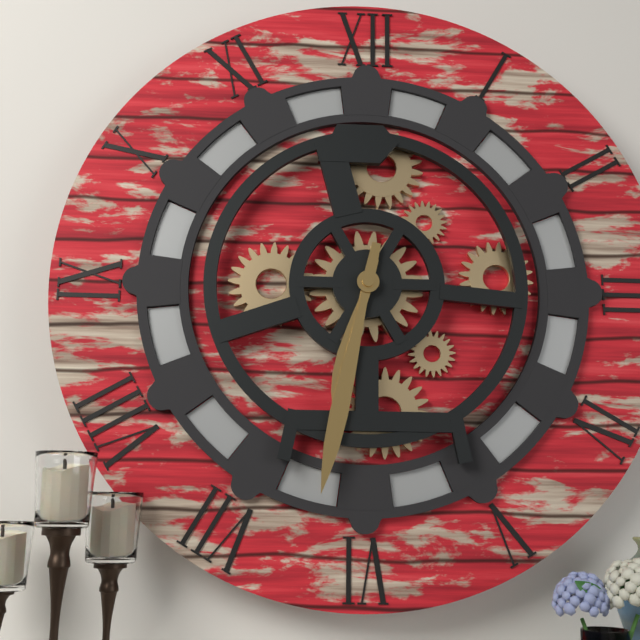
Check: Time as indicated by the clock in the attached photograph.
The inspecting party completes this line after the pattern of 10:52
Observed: 6:32
